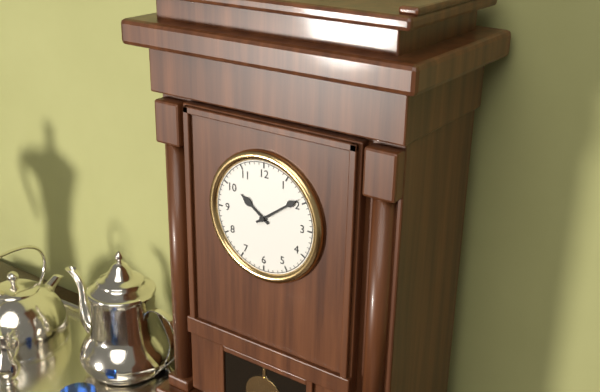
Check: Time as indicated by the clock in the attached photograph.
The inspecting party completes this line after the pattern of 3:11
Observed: 10:09
